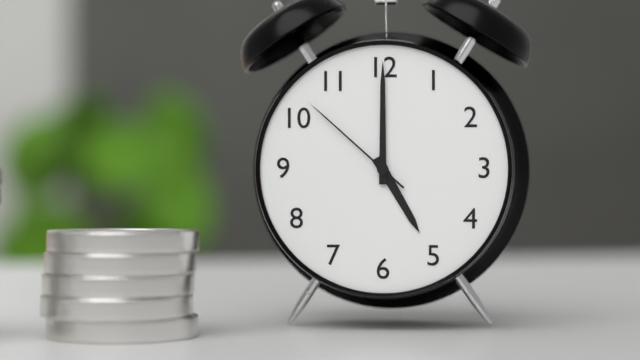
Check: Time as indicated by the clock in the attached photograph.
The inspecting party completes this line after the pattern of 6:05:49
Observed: 5:00:52
